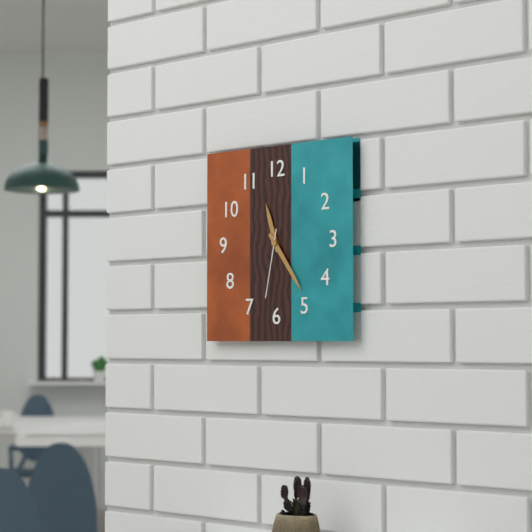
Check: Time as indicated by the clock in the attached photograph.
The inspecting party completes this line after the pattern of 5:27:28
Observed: 11:24:32
